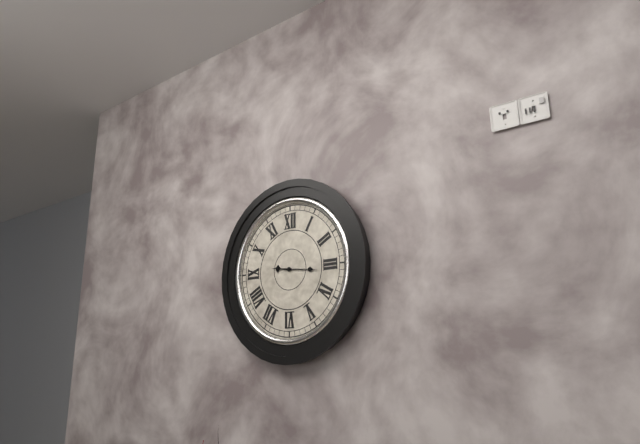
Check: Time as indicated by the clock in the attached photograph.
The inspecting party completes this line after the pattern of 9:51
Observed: 9:16
